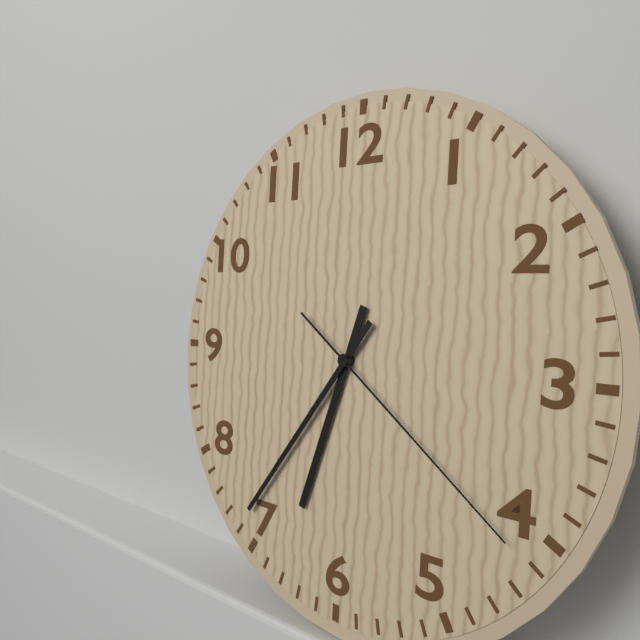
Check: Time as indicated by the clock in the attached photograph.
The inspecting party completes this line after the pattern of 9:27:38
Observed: 6:36:21
